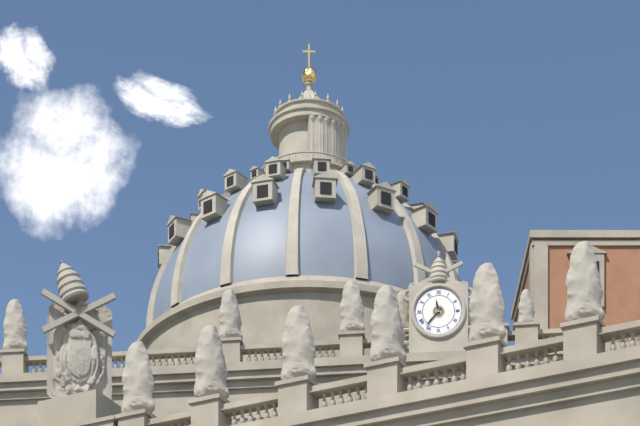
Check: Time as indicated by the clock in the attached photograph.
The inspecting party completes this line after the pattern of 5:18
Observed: 11:37
